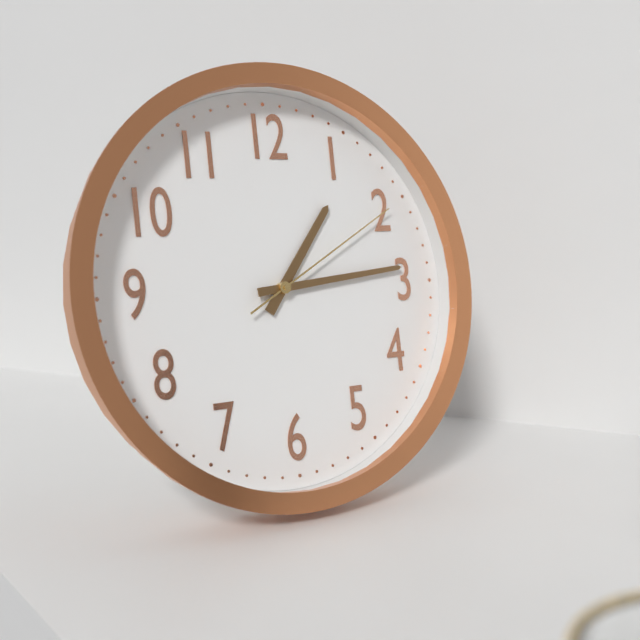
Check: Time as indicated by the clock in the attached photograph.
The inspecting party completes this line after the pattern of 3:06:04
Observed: 1:14:10
